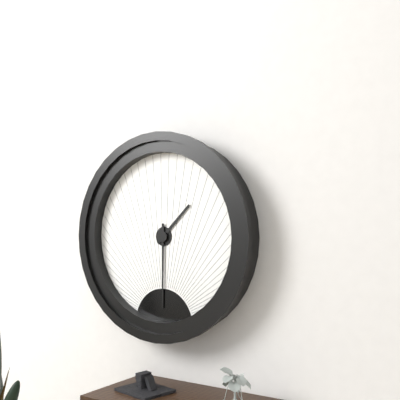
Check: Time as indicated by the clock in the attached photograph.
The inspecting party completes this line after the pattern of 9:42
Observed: 1:30
